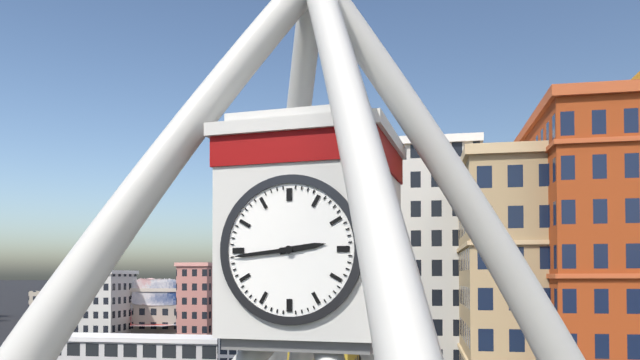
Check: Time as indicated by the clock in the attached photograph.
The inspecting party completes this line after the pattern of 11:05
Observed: 2:44
